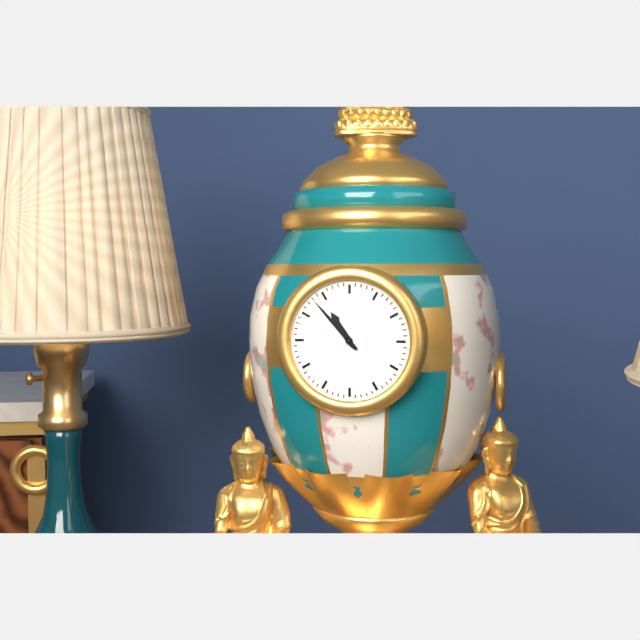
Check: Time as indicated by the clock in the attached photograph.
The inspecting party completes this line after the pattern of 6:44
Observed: 10:53
